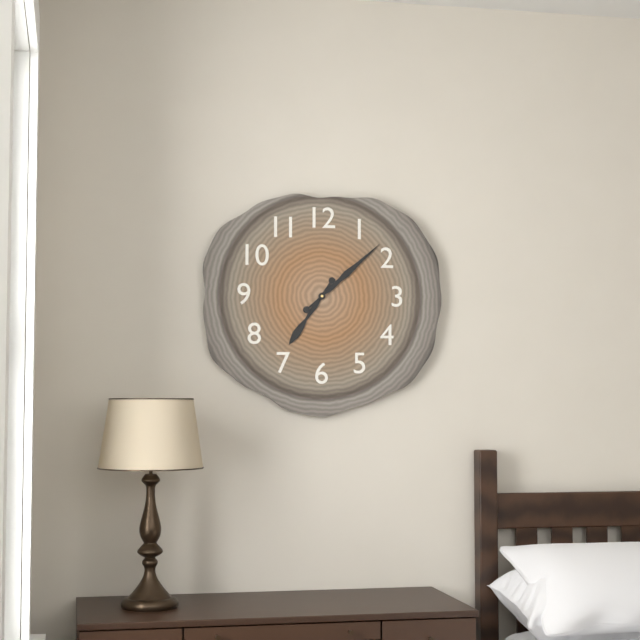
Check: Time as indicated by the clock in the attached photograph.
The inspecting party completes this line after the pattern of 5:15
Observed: 7:08
